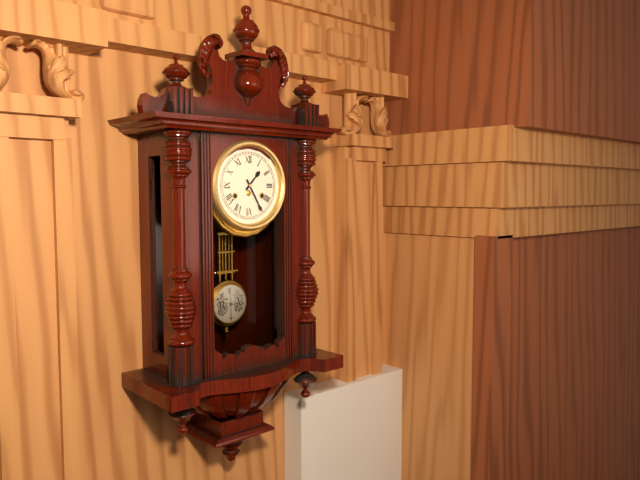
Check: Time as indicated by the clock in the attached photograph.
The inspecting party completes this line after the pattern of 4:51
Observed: 1:25
